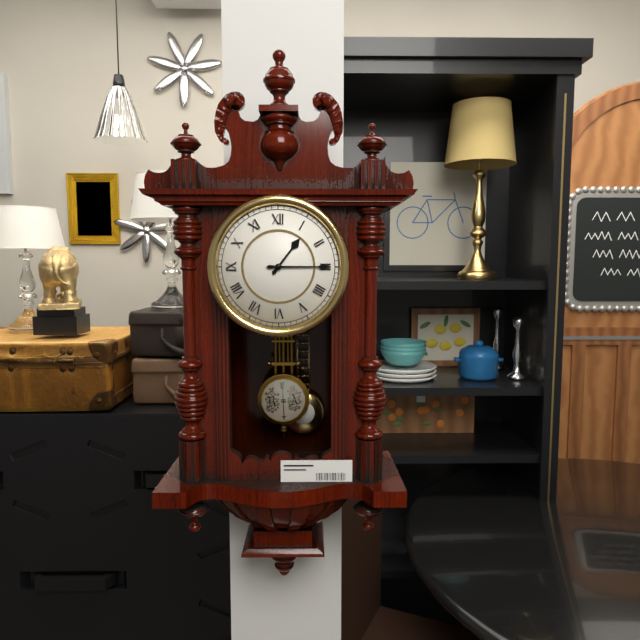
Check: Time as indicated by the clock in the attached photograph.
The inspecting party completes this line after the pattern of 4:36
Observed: 1:15
